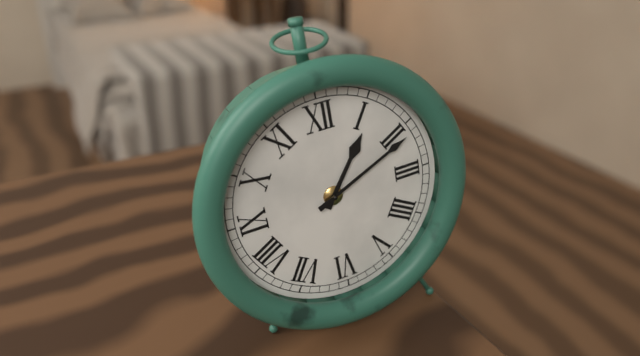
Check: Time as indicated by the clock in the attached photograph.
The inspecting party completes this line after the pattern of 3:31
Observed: 1:11
